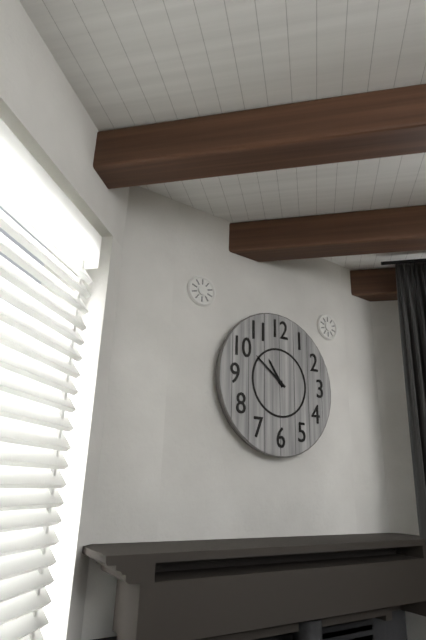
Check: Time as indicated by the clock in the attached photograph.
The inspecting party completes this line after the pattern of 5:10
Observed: 10:51
